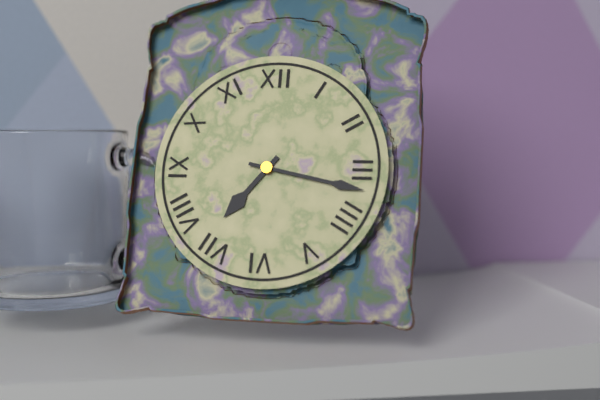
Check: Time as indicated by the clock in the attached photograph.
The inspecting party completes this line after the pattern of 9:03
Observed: 7:17
